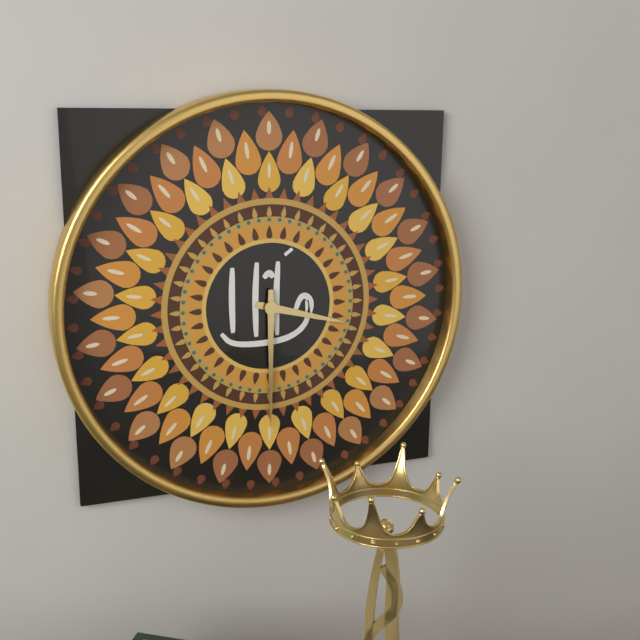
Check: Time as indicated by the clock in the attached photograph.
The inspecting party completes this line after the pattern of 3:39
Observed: 3:30
